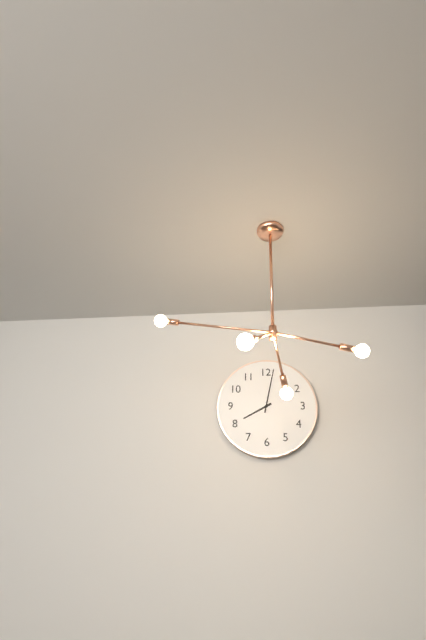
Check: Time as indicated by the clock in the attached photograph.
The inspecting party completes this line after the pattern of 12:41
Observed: 8:02
